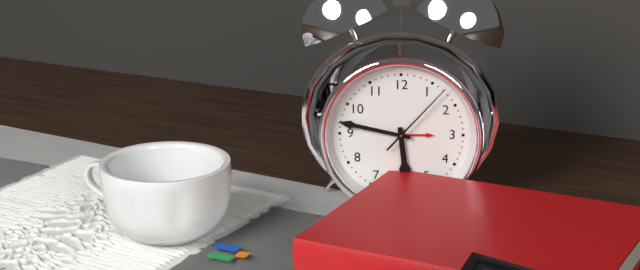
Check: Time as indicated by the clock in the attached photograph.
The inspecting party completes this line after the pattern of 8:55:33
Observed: 5:47:07
